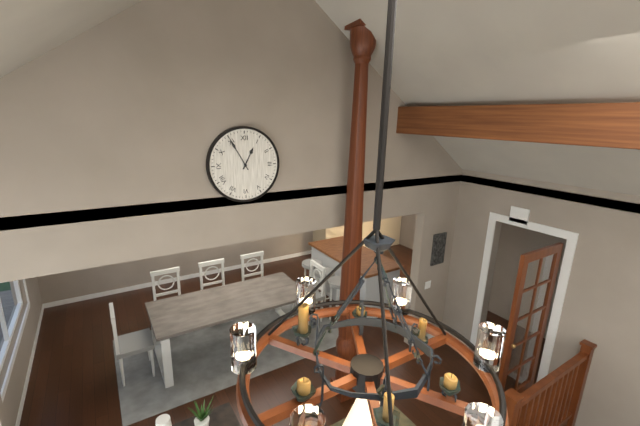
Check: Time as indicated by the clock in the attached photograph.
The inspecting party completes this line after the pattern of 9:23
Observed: 12:55
